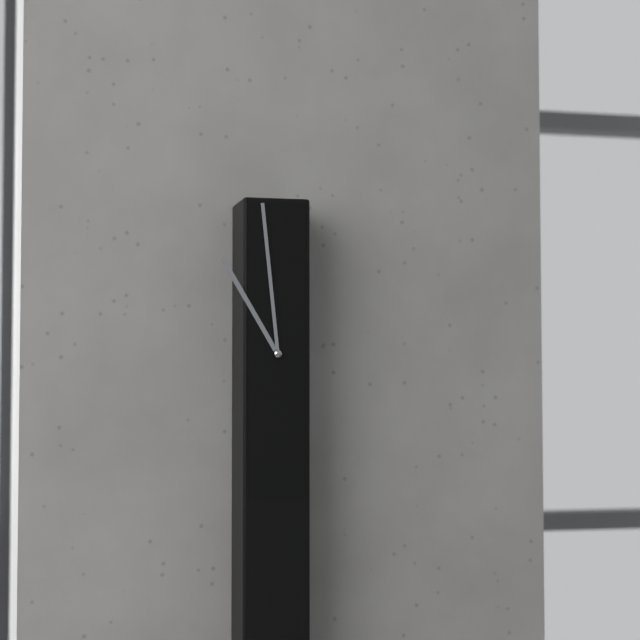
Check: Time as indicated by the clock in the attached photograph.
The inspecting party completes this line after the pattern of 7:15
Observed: 10:59
